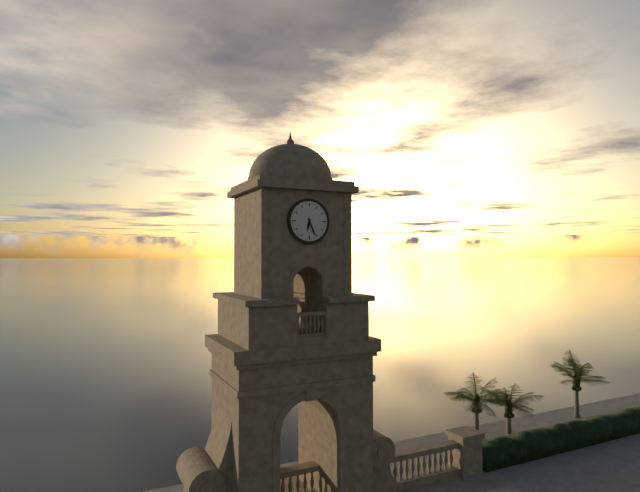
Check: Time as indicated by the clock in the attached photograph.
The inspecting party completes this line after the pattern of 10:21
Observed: 6:26
